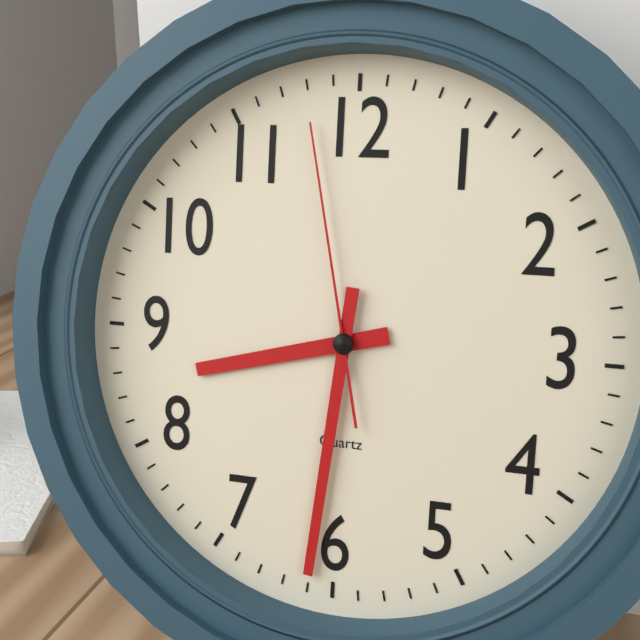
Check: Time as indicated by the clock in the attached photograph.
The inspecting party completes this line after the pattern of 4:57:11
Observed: 8:31:58
